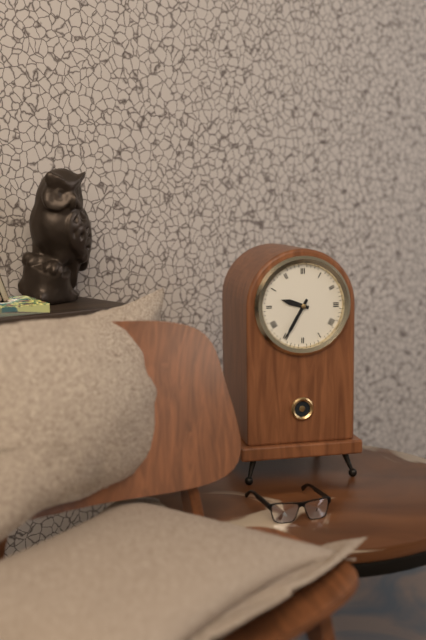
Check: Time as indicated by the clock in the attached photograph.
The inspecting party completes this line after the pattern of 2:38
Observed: 9:35
